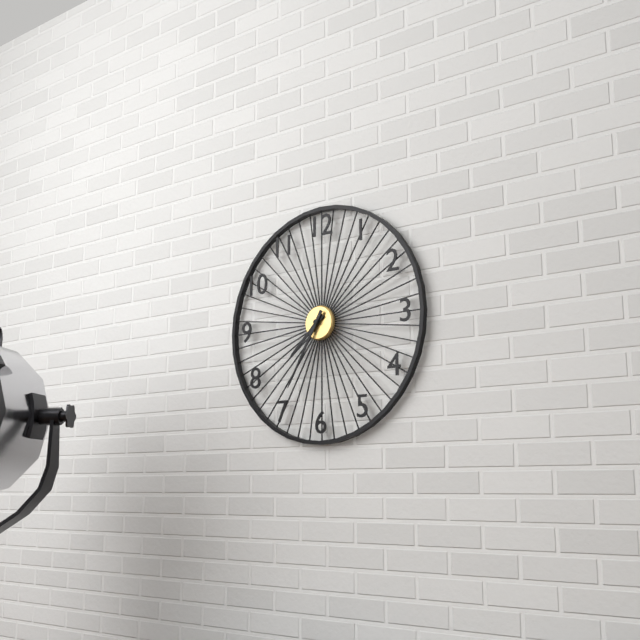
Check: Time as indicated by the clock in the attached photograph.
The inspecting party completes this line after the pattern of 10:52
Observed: 7:35
